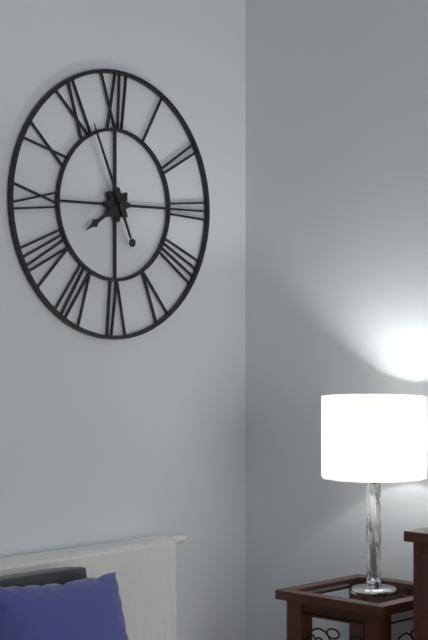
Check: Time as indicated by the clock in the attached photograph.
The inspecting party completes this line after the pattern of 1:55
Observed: 7:56
